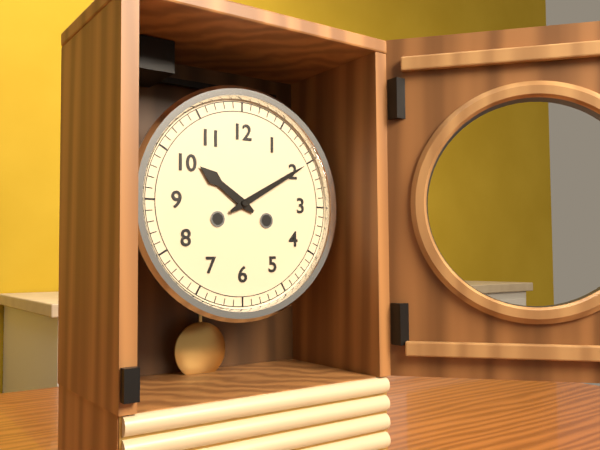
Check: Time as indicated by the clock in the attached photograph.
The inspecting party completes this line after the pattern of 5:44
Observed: 10:10
